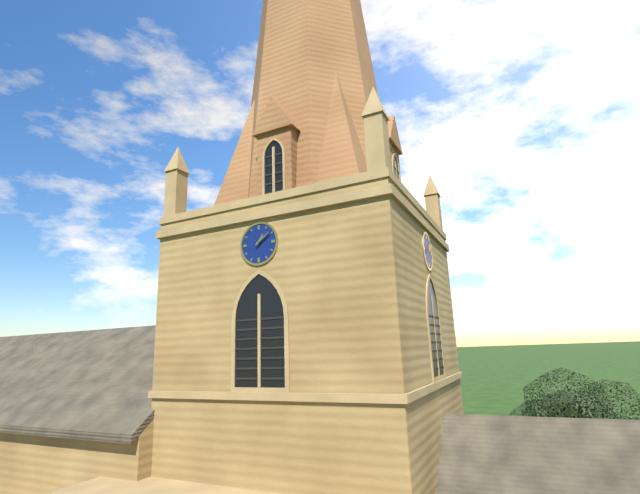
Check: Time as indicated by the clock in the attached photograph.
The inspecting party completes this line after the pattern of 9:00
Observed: 1:09
